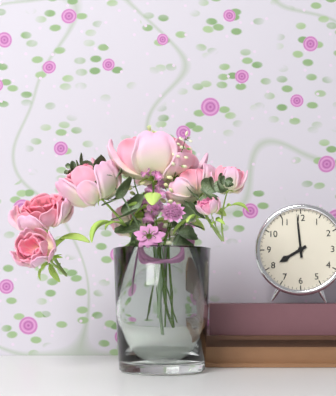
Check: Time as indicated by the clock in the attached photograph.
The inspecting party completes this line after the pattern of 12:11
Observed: 7:59
